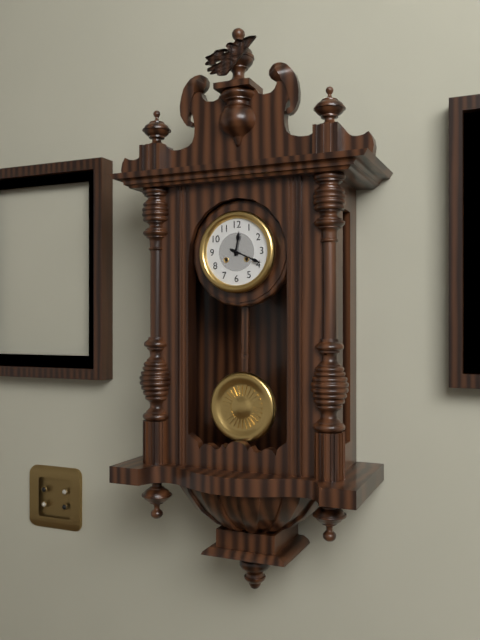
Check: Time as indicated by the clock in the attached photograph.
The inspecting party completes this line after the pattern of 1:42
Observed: 12:19
